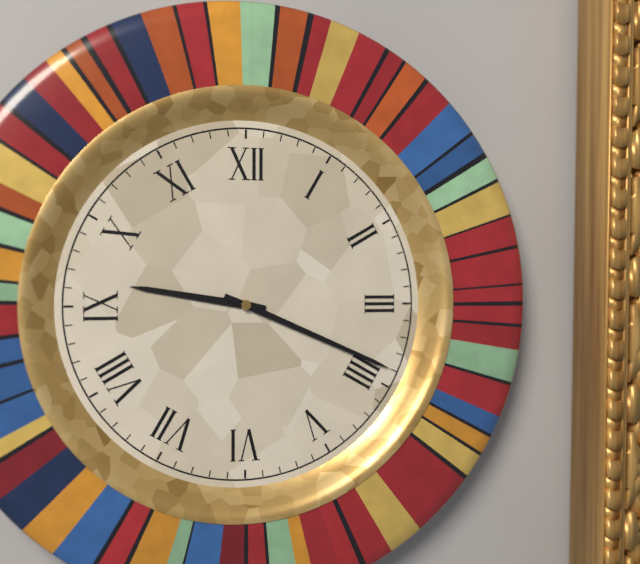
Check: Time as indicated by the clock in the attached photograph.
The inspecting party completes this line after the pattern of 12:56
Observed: 9:19
